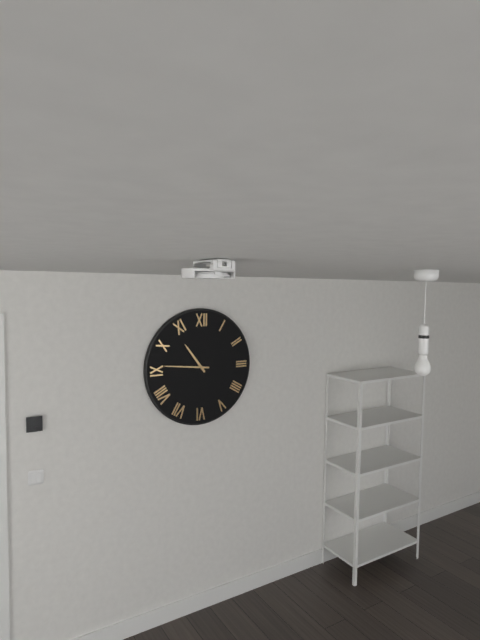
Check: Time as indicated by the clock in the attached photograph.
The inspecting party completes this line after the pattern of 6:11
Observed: 10:46
